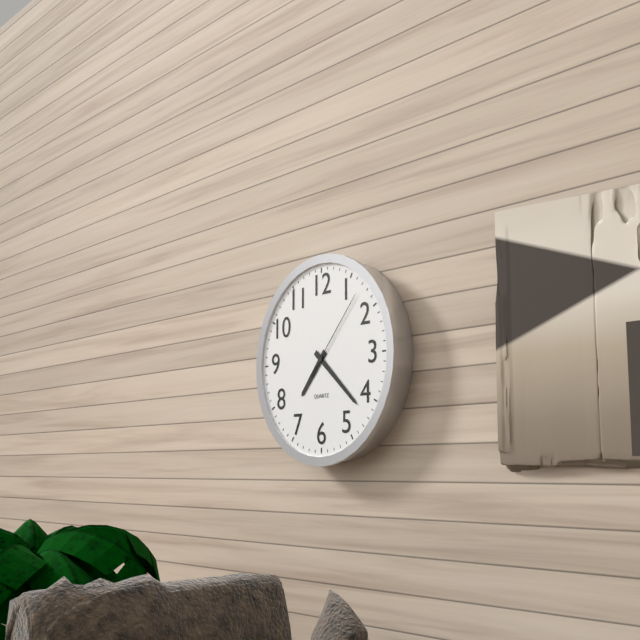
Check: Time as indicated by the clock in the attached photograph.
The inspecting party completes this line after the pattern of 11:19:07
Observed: 7:22:07
